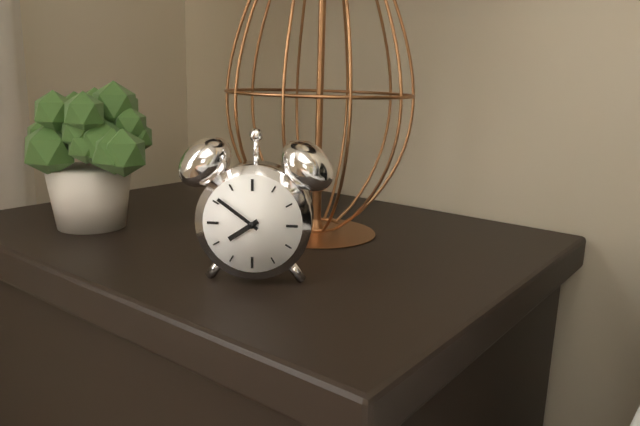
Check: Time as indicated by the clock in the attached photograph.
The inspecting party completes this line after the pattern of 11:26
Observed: 7:51
